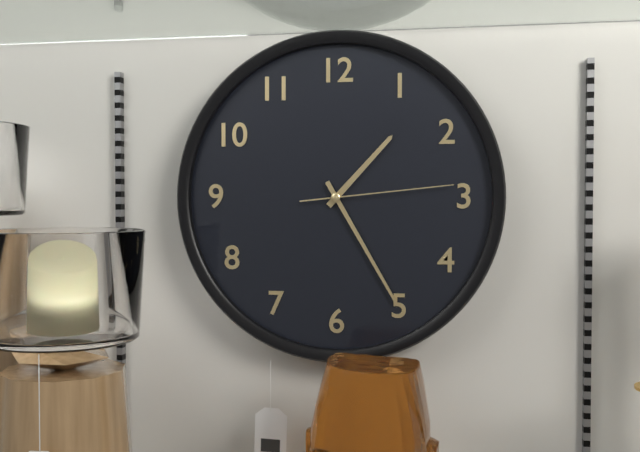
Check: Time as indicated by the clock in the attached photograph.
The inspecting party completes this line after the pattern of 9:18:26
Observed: 1:25:14
